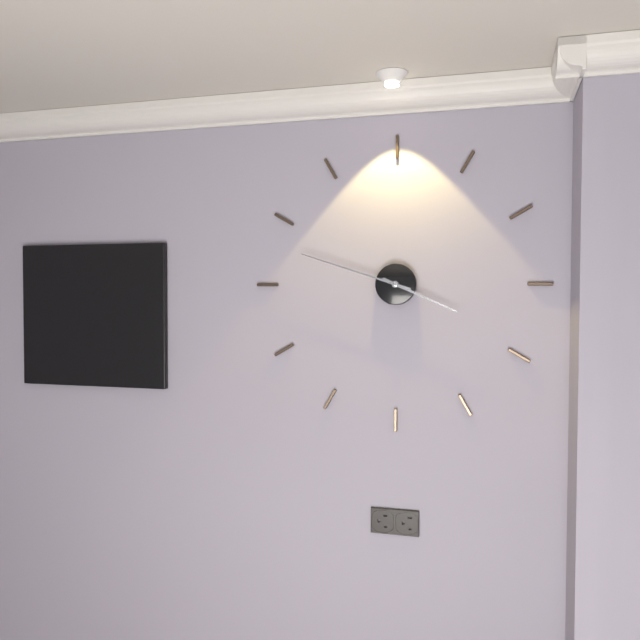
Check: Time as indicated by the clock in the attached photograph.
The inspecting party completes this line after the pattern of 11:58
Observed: 3:48
